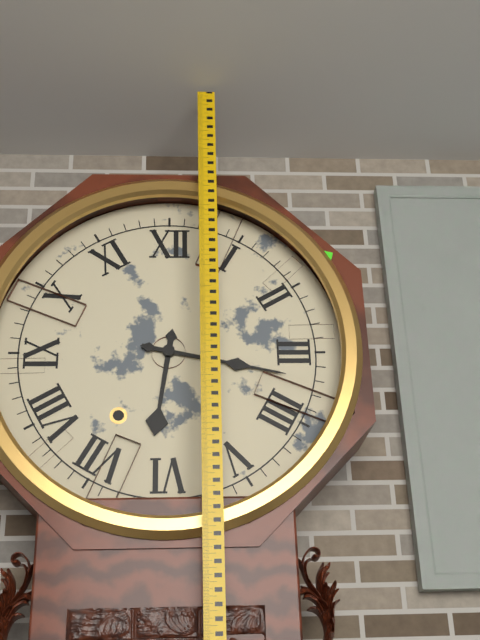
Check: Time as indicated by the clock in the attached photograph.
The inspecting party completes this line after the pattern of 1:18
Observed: 6:17
